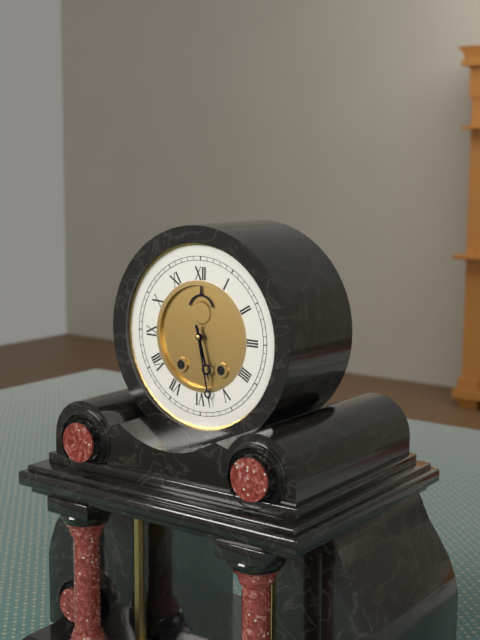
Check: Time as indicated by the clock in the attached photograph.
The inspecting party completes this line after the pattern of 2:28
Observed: 5:28
